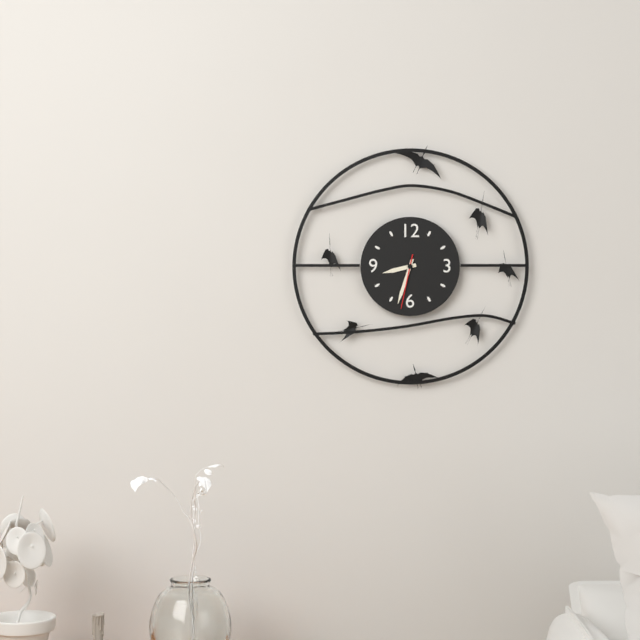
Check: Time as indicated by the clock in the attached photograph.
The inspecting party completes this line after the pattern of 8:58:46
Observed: 8:33:32
